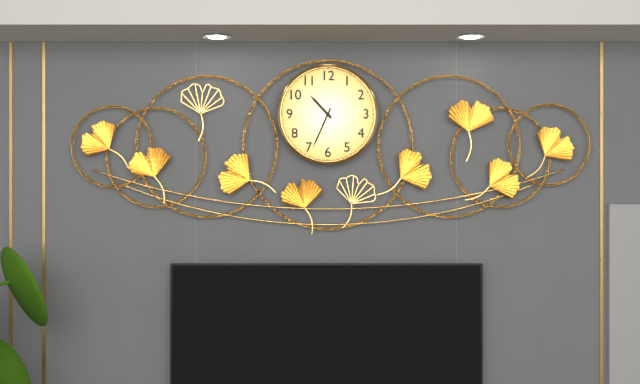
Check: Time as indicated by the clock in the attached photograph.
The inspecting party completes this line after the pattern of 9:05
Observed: 10:34
